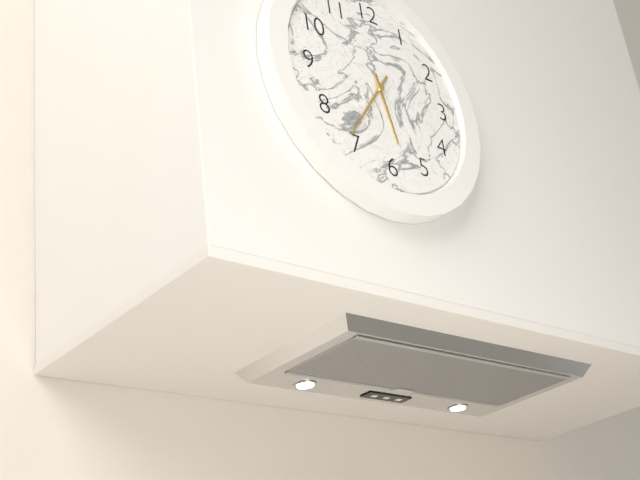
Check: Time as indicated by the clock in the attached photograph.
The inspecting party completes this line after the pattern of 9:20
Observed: 5:36
